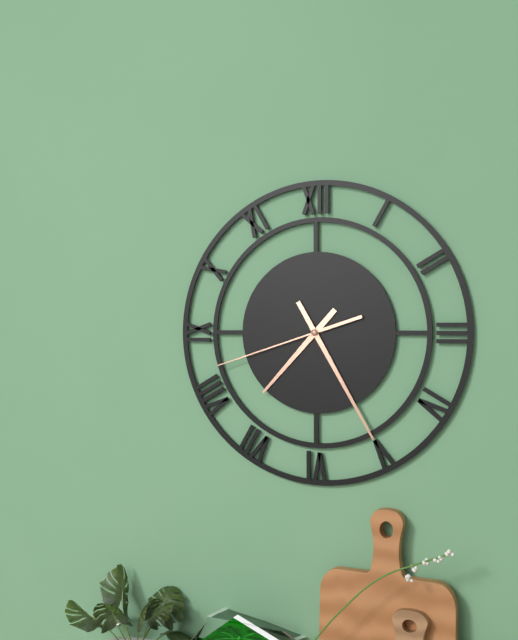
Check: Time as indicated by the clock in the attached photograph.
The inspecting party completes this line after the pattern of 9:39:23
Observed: 7:25:42
